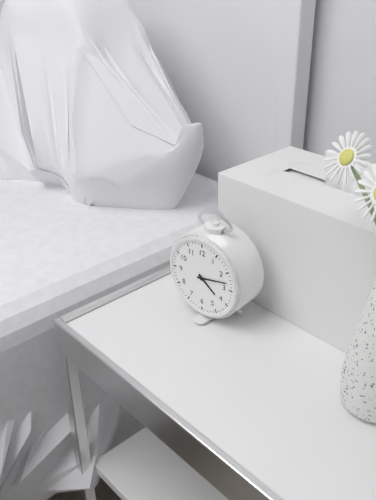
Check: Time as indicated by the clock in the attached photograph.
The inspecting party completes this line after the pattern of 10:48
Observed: 4:13
